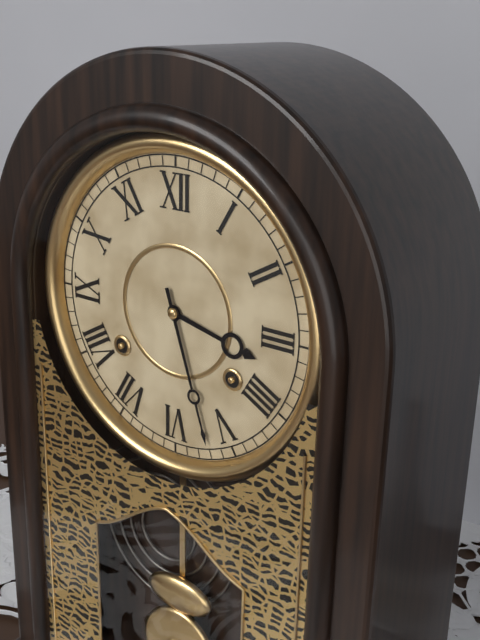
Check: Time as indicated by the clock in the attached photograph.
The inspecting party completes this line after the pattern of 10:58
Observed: 3:27
